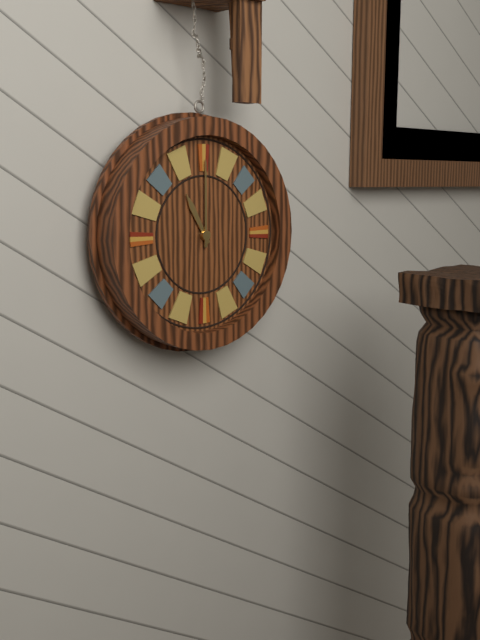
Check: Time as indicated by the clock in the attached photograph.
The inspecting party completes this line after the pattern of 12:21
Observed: 11:00
